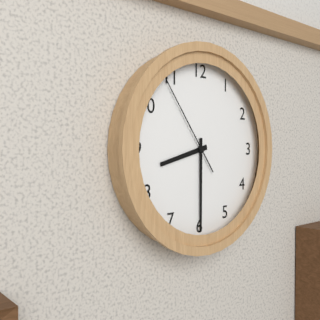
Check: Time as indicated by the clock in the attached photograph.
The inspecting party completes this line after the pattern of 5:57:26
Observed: 8:30:54
